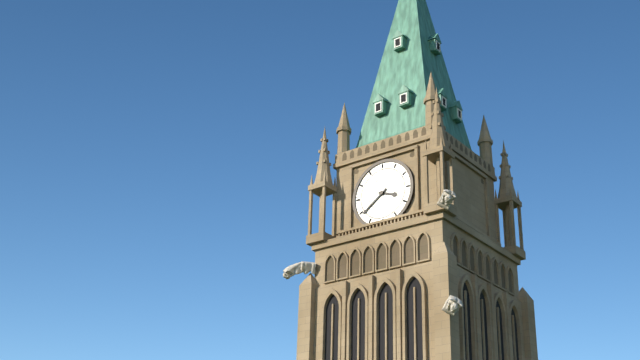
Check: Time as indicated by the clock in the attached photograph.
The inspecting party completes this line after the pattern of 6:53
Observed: 3:39
